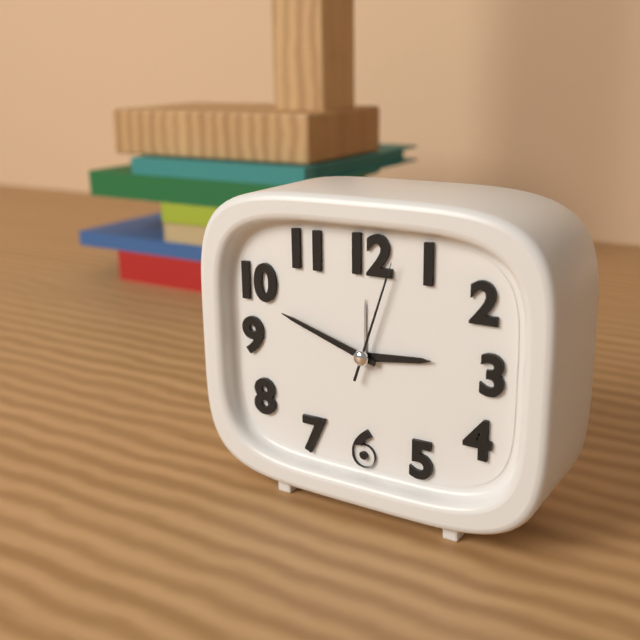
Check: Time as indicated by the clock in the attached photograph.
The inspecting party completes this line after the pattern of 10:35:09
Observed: 2:48:03
